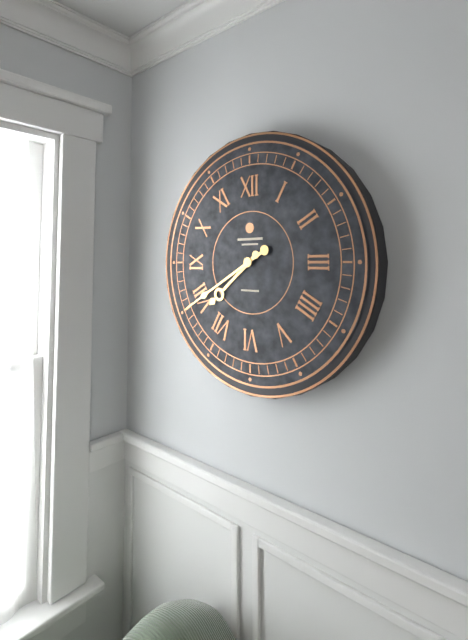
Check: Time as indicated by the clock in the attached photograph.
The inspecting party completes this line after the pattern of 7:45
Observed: 7:40
